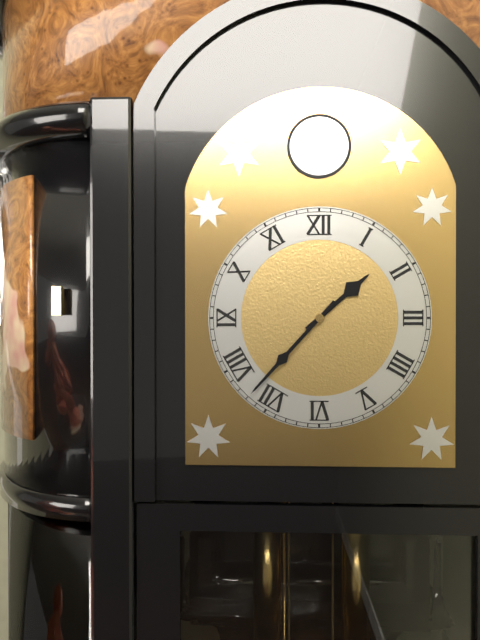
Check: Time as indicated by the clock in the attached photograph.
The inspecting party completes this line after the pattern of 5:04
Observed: 1:37
